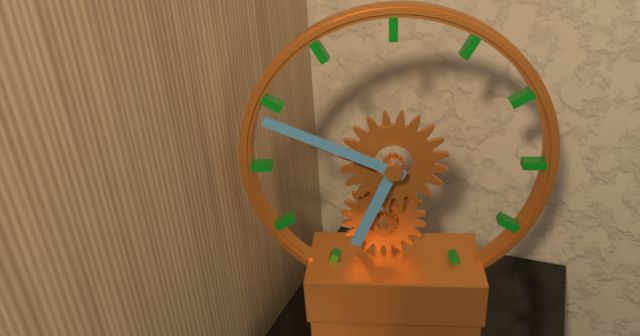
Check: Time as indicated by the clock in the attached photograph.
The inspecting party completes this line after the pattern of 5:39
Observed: 6:49
